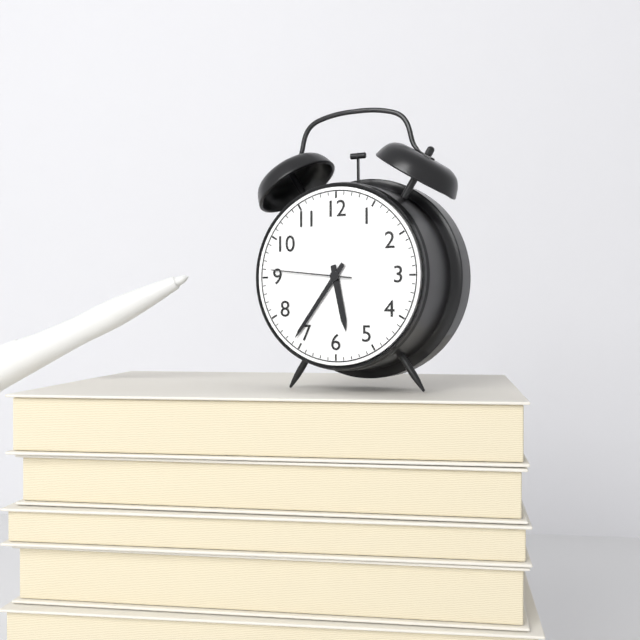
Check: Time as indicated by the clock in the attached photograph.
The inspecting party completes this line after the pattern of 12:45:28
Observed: 5:36:46
